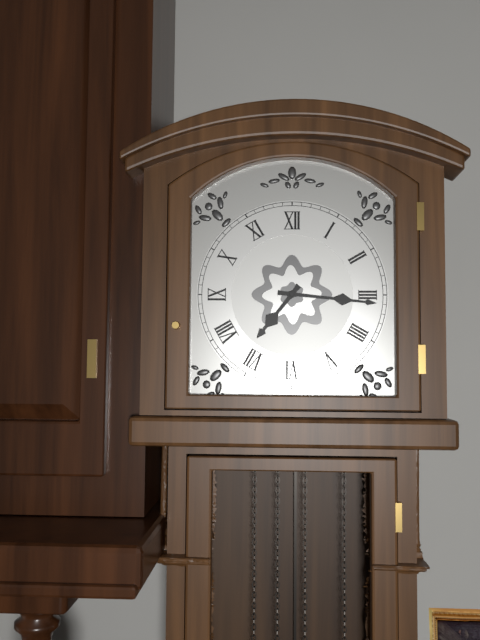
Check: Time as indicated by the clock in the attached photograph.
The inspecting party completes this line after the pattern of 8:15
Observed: 7:16
